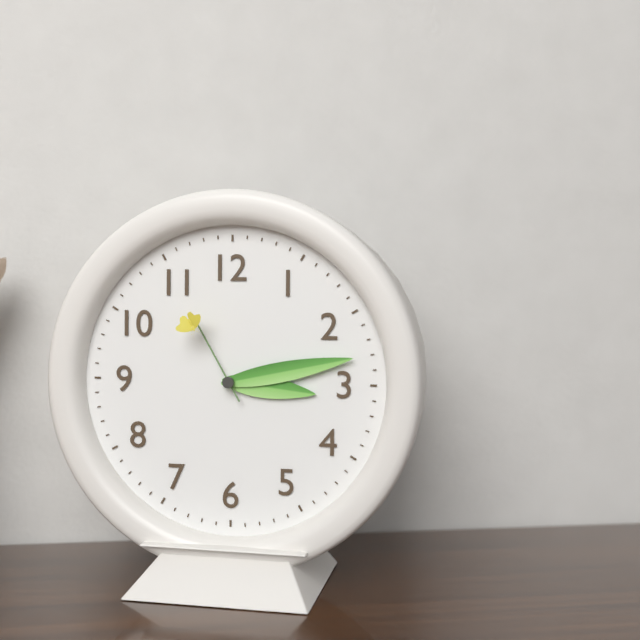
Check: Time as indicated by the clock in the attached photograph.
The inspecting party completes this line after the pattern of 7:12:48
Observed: 3:13:55
